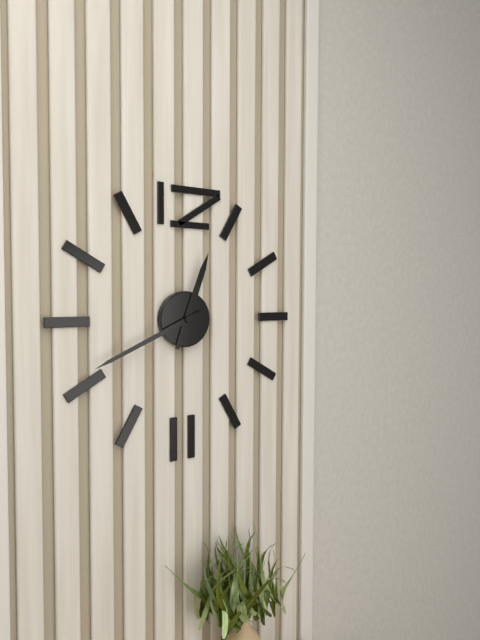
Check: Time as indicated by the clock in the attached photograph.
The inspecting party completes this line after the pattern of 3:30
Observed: 12:41
